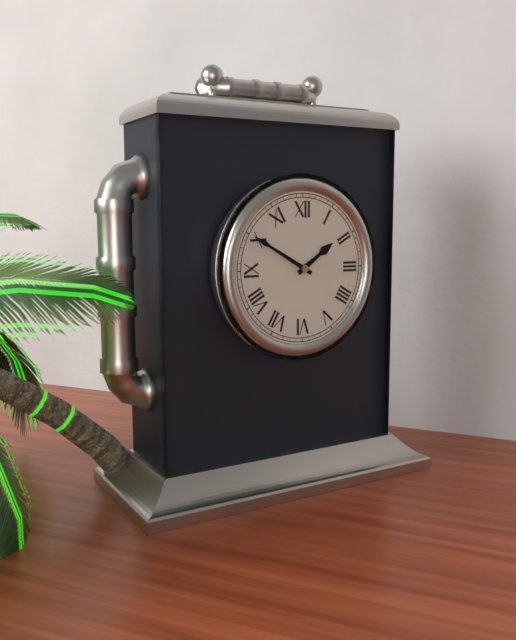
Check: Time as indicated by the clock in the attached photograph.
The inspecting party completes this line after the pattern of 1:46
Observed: 1:50
